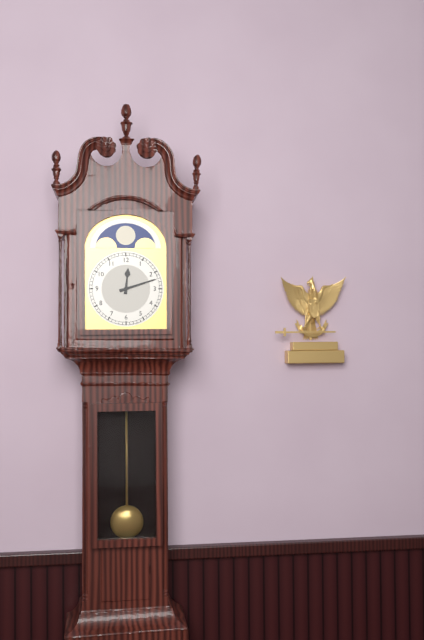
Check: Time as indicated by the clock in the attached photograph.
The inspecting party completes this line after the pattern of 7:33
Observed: 12:12
